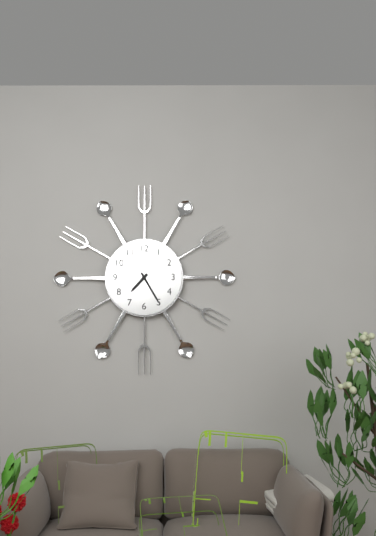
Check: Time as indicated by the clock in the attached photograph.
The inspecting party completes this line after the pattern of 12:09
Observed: 7:25
